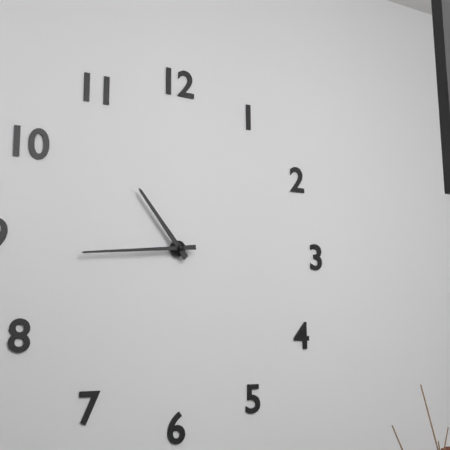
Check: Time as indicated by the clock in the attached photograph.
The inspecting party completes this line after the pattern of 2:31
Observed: 10:44
